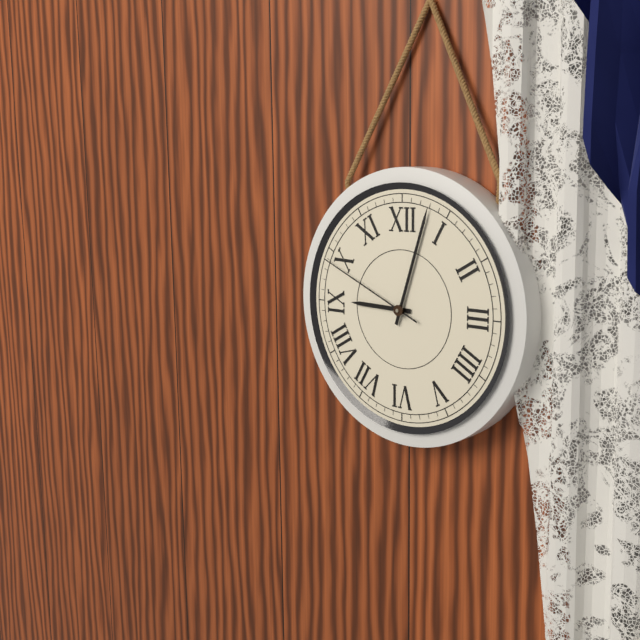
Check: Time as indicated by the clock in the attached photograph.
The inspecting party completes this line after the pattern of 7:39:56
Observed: 9:03:49
